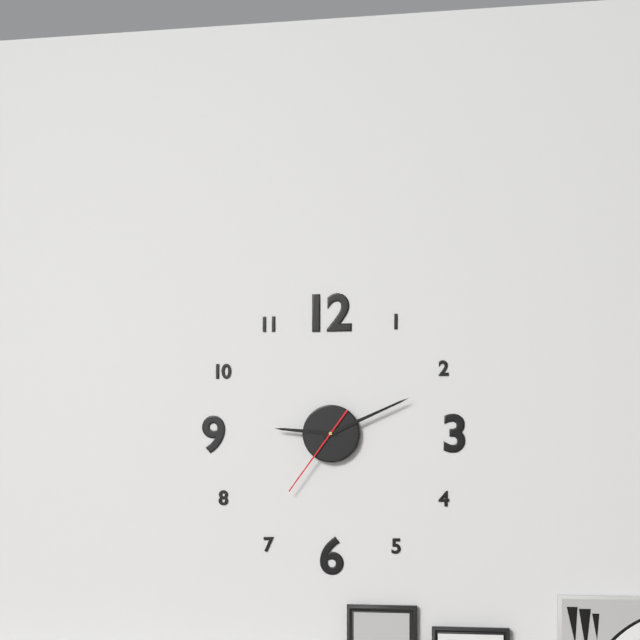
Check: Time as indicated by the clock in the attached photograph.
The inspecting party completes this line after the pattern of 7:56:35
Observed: 9:11:36
